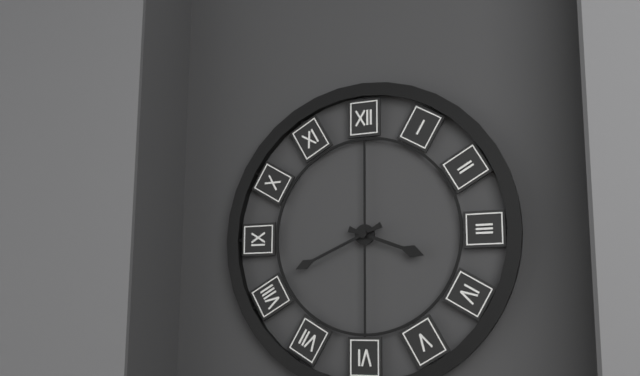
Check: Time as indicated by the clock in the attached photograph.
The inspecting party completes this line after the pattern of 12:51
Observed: 3:41
